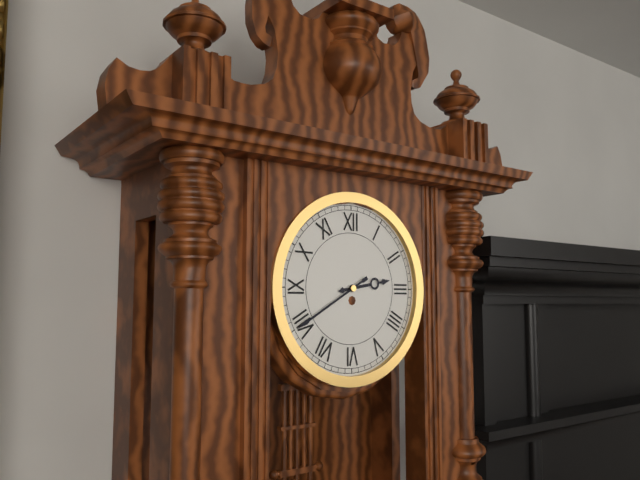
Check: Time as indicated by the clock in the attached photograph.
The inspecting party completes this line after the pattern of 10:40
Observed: 2:40
